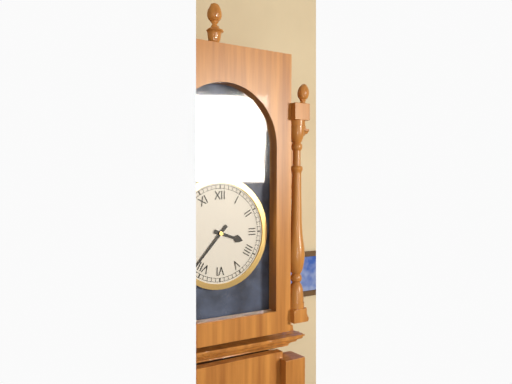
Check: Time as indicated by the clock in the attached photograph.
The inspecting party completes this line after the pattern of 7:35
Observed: 3:37
